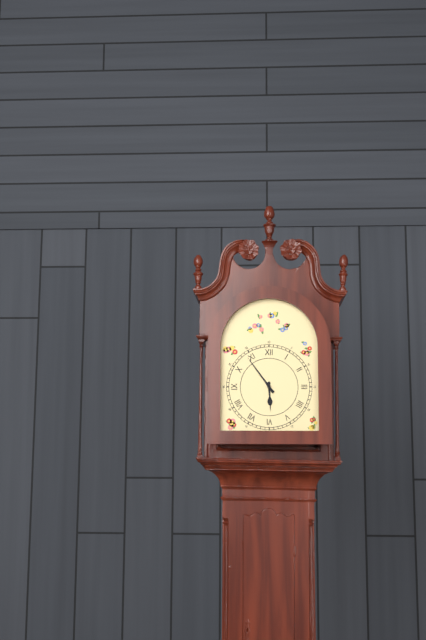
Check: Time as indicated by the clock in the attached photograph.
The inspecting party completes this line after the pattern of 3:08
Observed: 5:54
